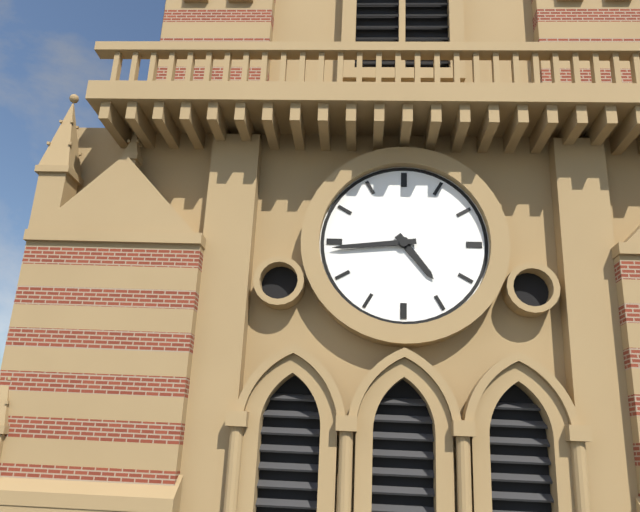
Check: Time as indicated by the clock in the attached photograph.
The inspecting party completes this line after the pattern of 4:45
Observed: 4:44
